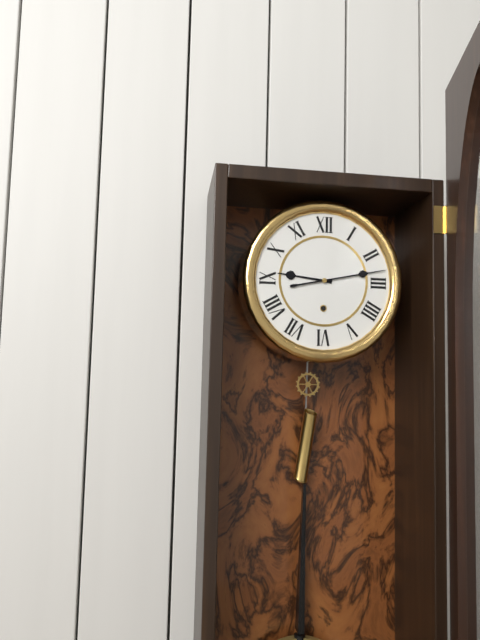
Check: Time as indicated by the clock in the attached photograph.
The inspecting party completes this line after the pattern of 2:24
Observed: 9:13
